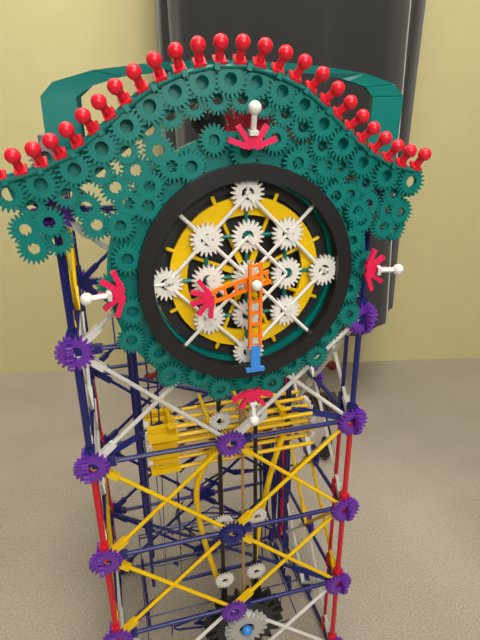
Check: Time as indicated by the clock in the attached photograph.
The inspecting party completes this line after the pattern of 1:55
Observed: 8:30
